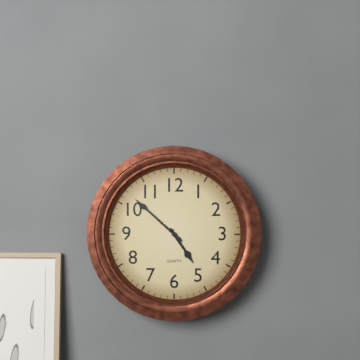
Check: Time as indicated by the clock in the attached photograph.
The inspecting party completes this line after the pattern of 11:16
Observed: 4:52
